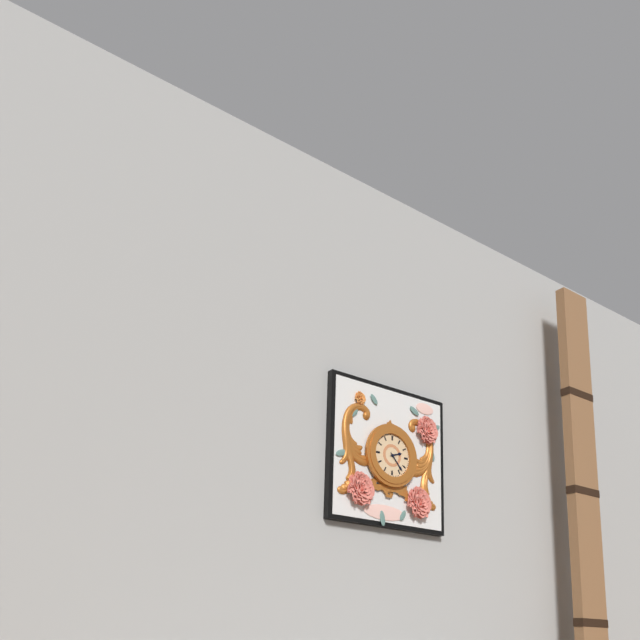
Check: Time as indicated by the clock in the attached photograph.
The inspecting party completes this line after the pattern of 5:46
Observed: 2:23
